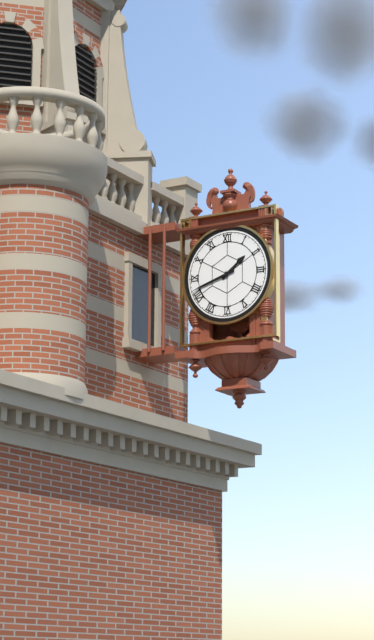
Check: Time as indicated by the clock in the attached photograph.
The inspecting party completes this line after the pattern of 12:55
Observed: 1:42
